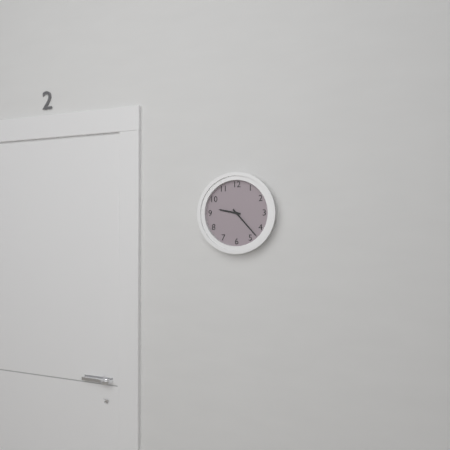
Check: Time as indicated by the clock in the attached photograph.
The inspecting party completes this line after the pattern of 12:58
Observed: 9:23
